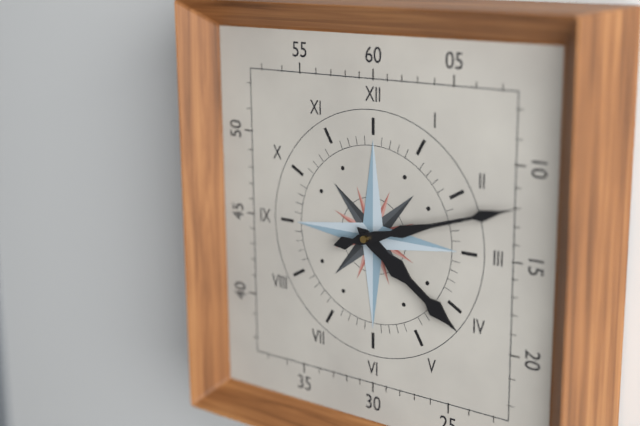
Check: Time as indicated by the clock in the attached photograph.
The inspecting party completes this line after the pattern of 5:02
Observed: 4:12
